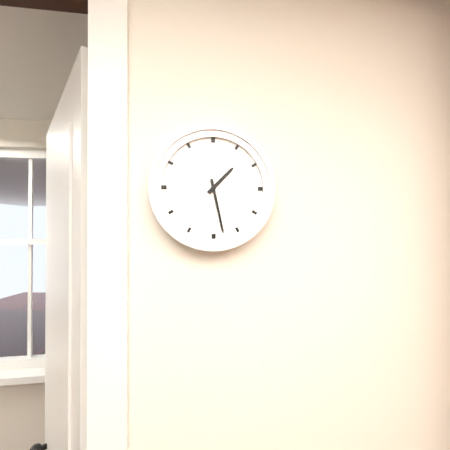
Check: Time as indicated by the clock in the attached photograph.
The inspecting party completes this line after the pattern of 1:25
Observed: 1:28
